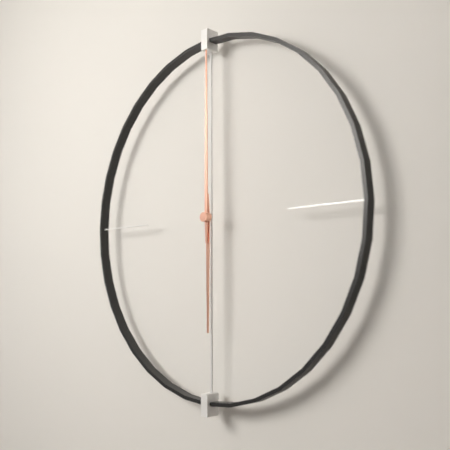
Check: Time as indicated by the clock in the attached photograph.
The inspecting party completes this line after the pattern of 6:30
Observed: 6:00
